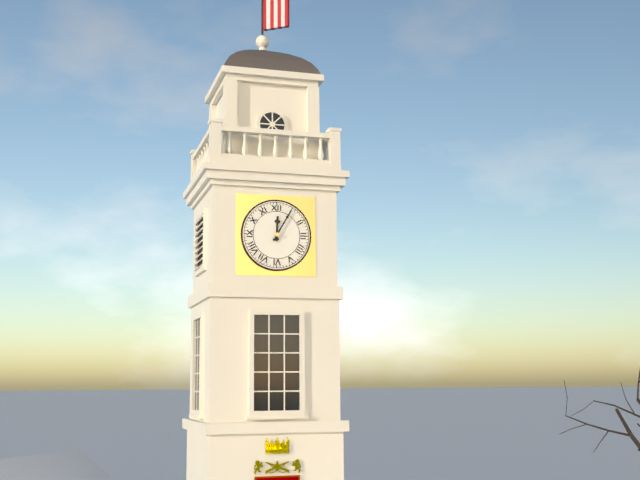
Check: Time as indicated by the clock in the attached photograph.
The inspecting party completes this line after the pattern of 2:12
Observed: 12:05
